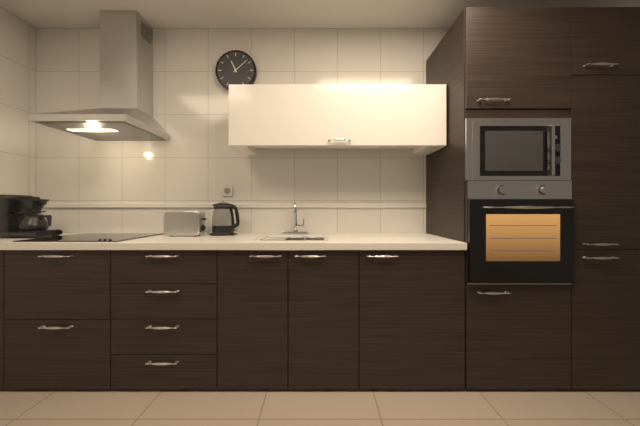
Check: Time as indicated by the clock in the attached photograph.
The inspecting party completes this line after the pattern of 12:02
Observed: 11:08
